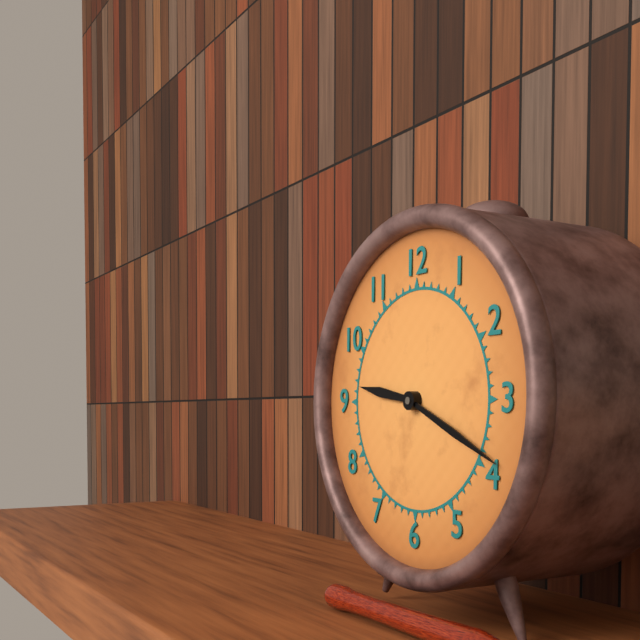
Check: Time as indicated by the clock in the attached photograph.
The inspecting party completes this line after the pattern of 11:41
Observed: 9:19
